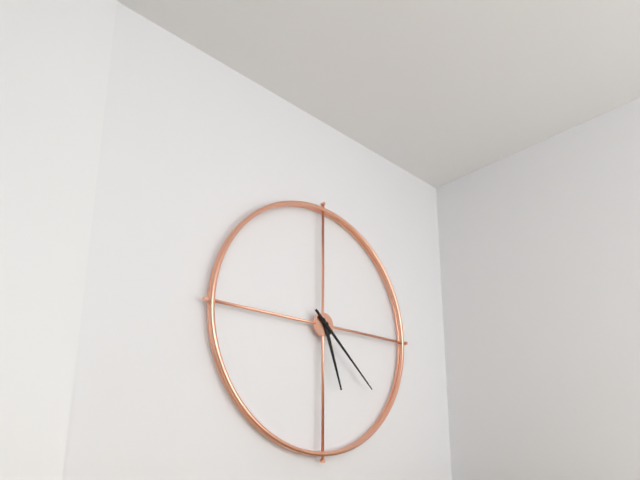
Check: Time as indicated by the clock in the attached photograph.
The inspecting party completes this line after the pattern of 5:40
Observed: 5:22
